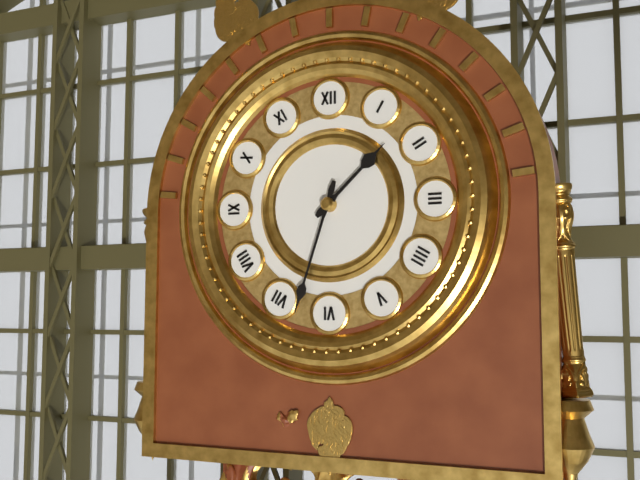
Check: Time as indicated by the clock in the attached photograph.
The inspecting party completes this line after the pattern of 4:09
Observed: 1:33
